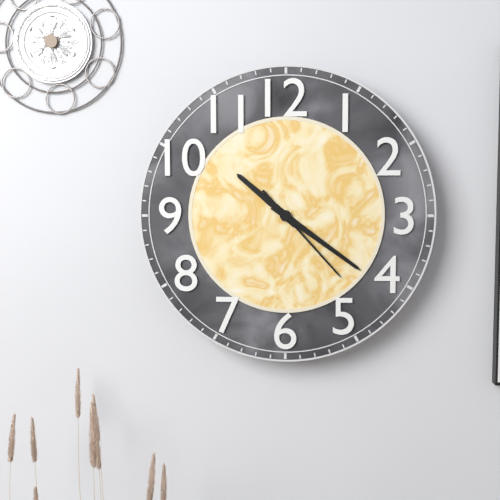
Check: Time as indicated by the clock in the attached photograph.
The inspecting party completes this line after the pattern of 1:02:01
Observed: 10:21:23
